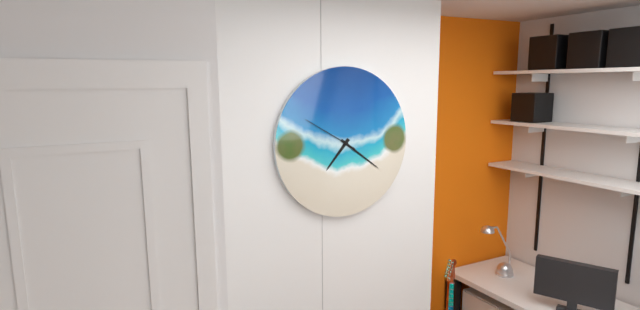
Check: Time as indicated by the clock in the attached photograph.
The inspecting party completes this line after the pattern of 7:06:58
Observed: 7:21:50
